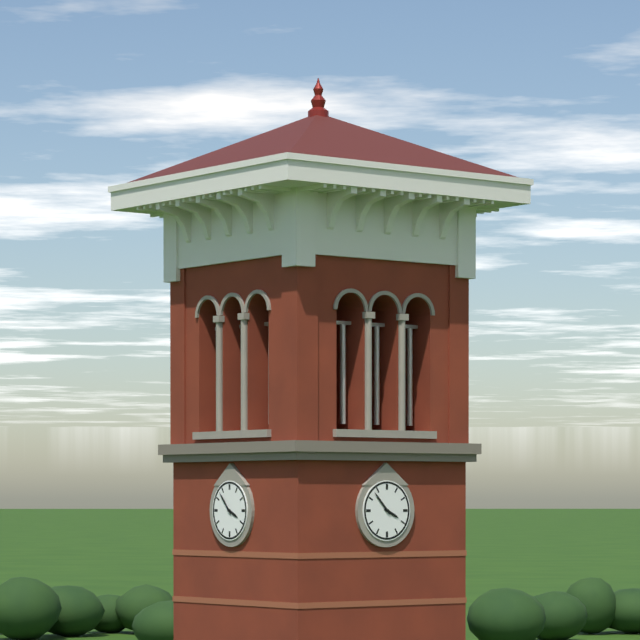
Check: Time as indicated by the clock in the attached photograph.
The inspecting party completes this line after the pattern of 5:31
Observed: 3:53
